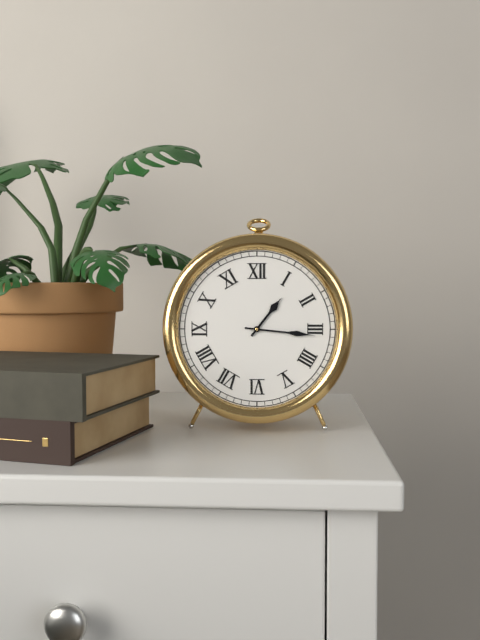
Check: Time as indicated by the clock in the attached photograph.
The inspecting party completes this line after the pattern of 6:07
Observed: 1:16
